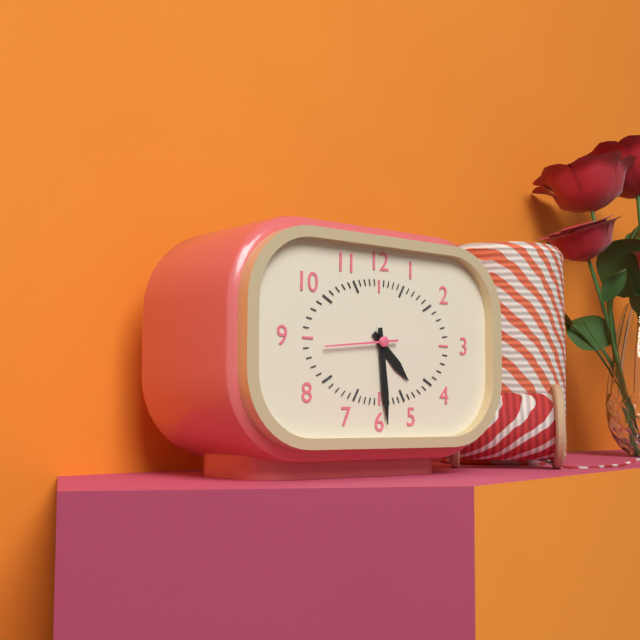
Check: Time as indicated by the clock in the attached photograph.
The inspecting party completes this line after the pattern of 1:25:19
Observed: 4:29:44
